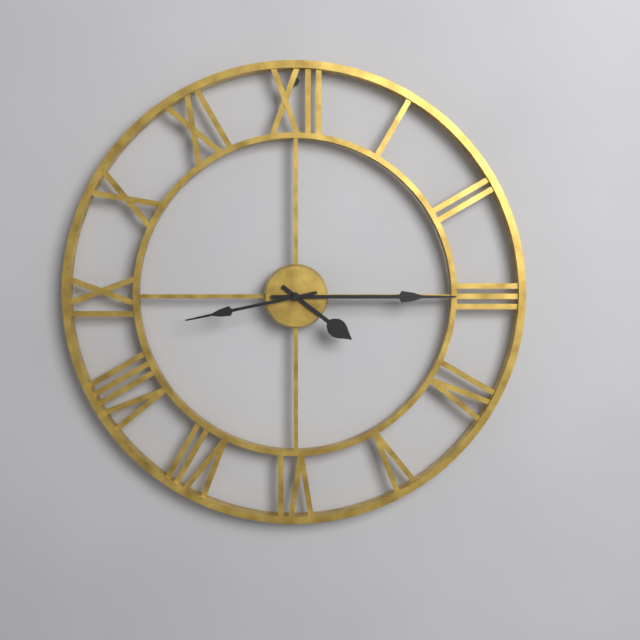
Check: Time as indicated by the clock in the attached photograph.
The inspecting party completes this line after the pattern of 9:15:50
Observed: 4:15:43
